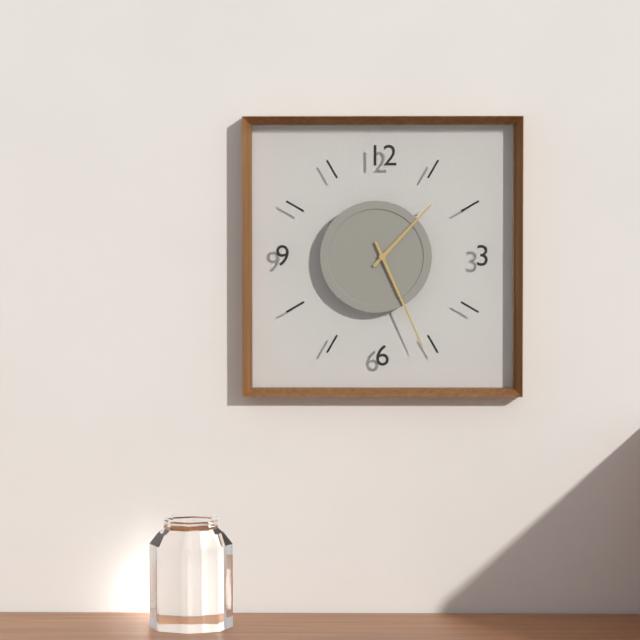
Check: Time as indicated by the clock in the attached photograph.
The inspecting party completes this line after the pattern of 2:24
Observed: 1:26
